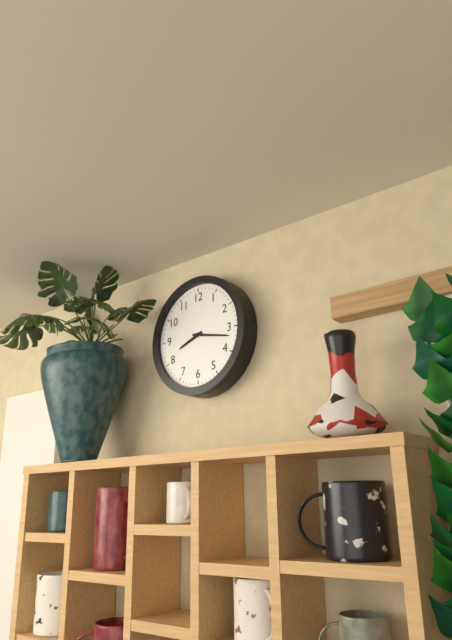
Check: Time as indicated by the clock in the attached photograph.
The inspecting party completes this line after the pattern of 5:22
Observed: 8:17
